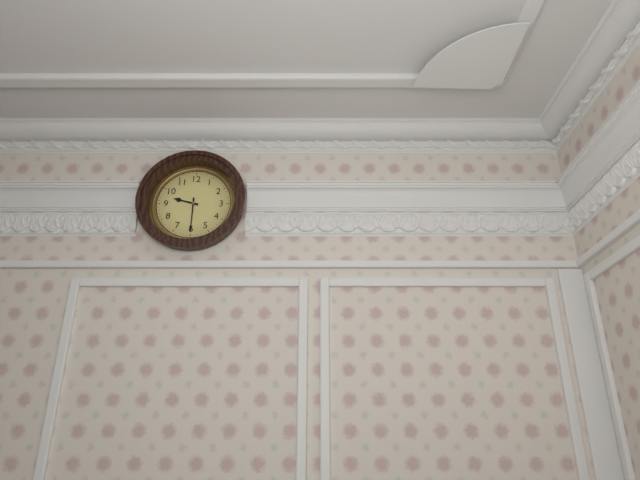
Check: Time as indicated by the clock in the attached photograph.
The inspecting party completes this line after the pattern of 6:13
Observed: 9:30
